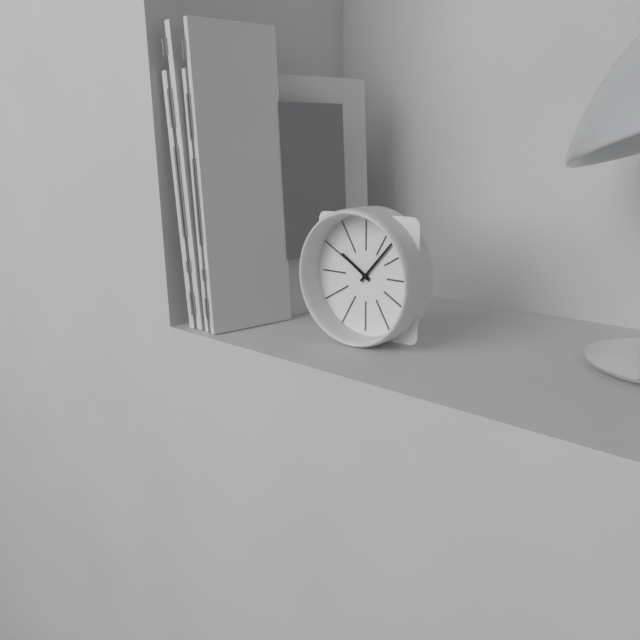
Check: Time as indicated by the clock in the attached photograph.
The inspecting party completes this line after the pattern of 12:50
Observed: 10:07
